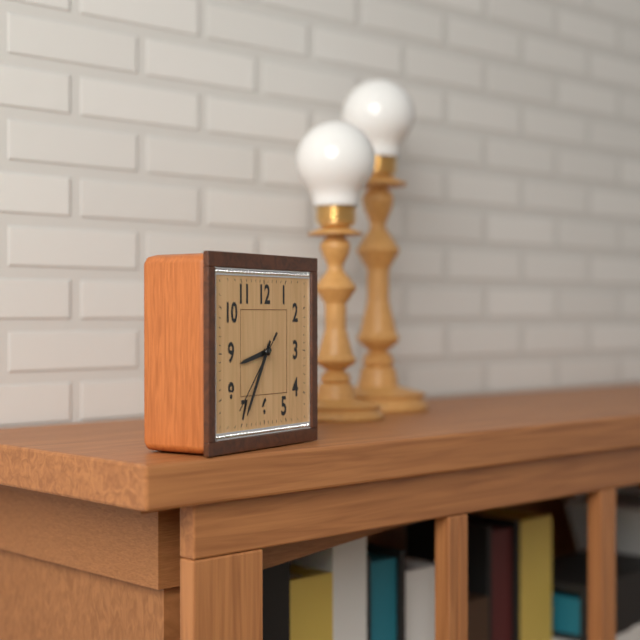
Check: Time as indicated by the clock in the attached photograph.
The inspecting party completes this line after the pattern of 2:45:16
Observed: 8:35:37
